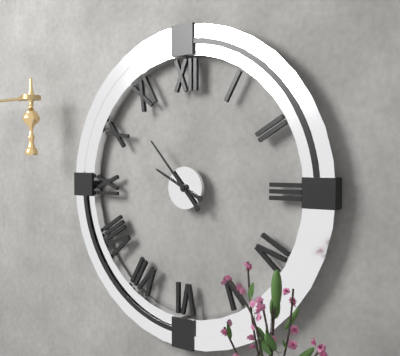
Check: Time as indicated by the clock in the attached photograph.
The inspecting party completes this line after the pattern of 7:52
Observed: 9:53
